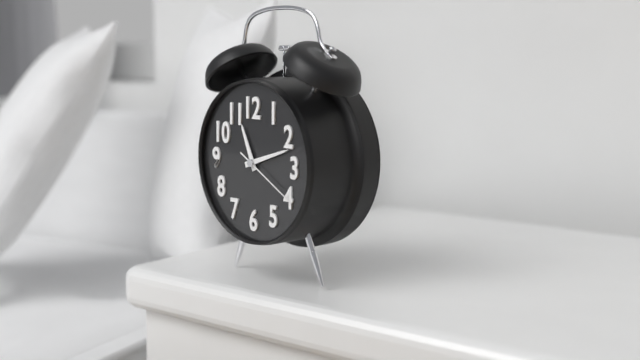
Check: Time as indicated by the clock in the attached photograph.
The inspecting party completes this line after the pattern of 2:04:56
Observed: 11:12:20
